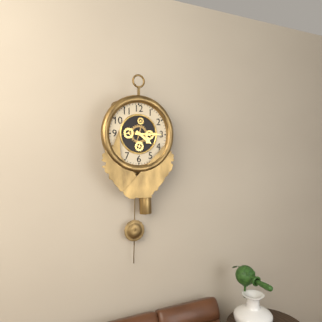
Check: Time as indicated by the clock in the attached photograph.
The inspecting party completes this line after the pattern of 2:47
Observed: 4:15
